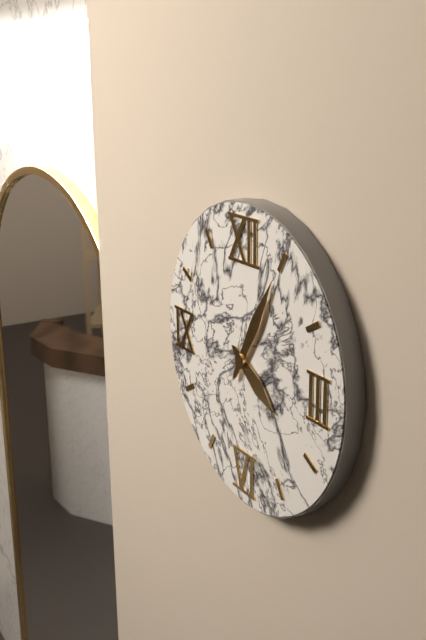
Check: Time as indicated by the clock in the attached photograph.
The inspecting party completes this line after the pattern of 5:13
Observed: 4:05
